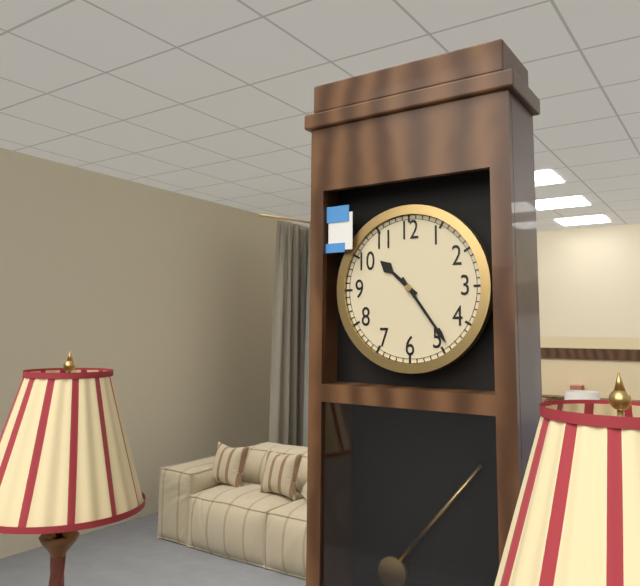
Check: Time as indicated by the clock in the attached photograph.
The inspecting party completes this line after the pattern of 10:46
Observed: 10:24
